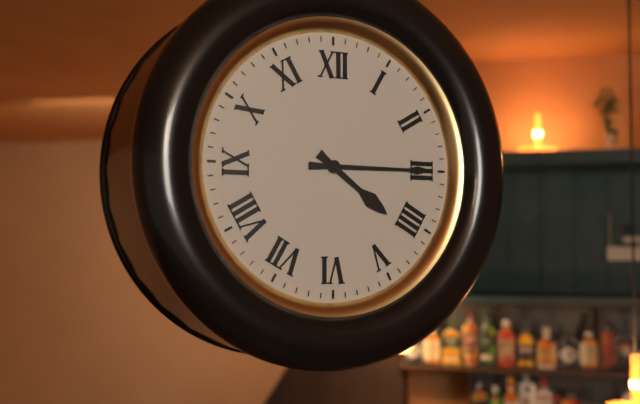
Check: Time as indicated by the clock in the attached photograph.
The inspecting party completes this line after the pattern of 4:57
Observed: 4:15
